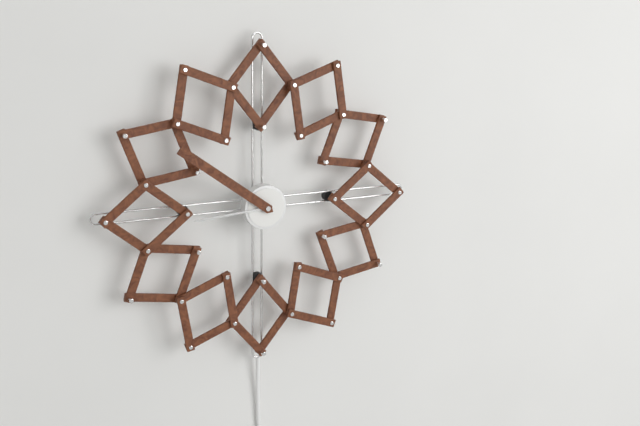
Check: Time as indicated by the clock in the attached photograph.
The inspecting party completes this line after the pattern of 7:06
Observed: 8:51
